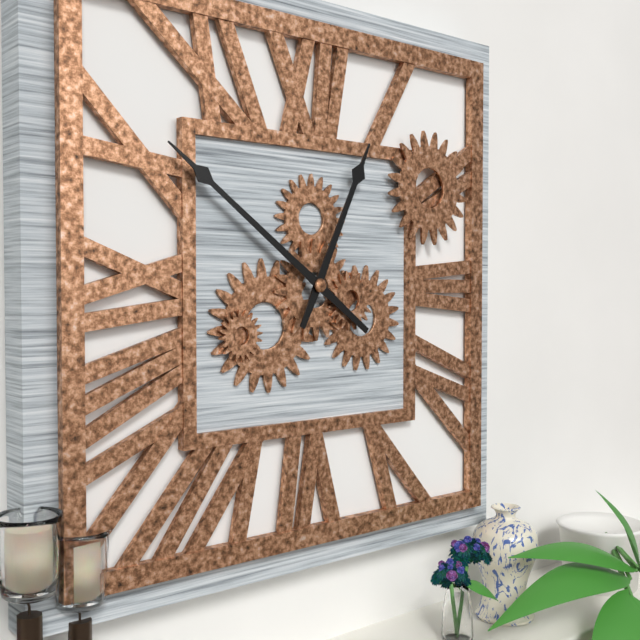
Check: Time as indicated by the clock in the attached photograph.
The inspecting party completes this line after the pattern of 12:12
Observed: 12:51
